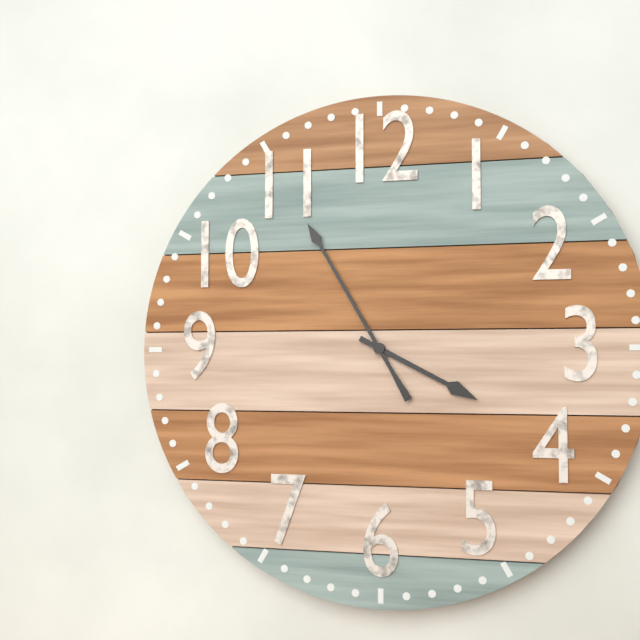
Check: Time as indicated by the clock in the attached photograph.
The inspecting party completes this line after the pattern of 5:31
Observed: 3:55
